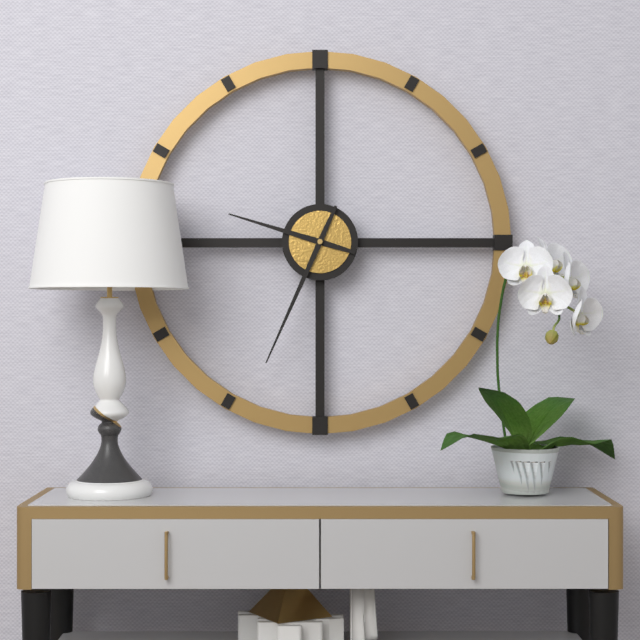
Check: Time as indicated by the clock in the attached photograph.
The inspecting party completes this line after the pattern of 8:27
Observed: 9:34
